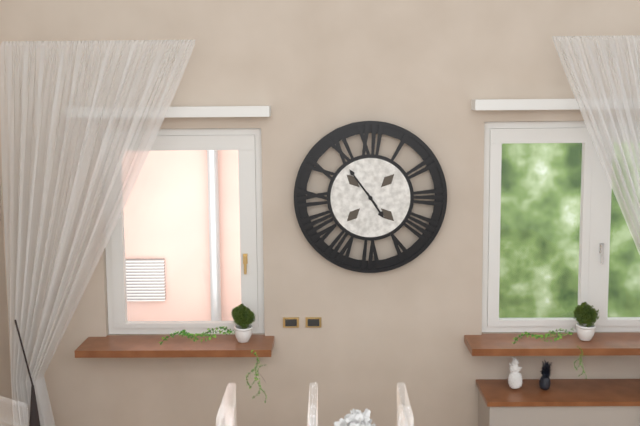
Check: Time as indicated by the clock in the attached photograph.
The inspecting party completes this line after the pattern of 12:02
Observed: 4:54
